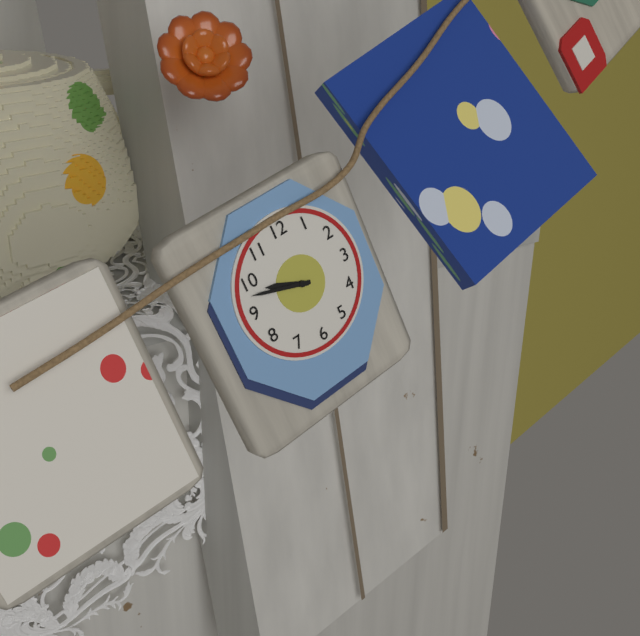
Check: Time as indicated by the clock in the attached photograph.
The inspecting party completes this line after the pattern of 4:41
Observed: 9:48
